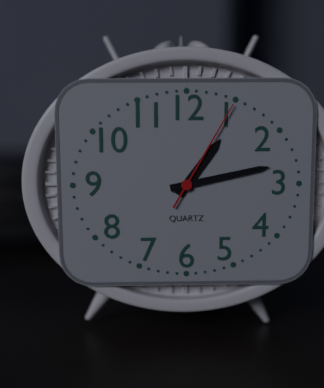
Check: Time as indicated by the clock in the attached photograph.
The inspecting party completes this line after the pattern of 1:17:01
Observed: 1:13:05
